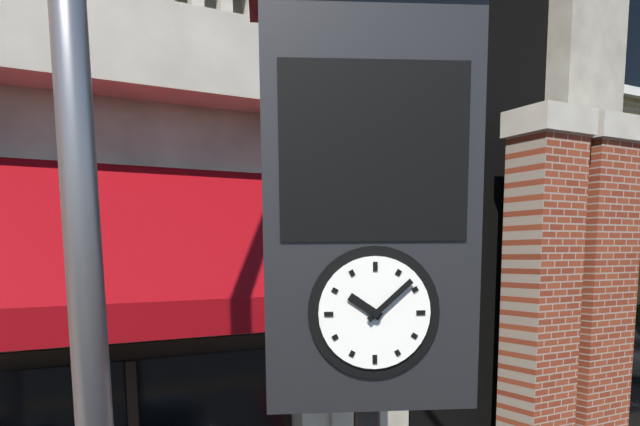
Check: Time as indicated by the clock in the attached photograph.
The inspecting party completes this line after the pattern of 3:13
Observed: 10:08
